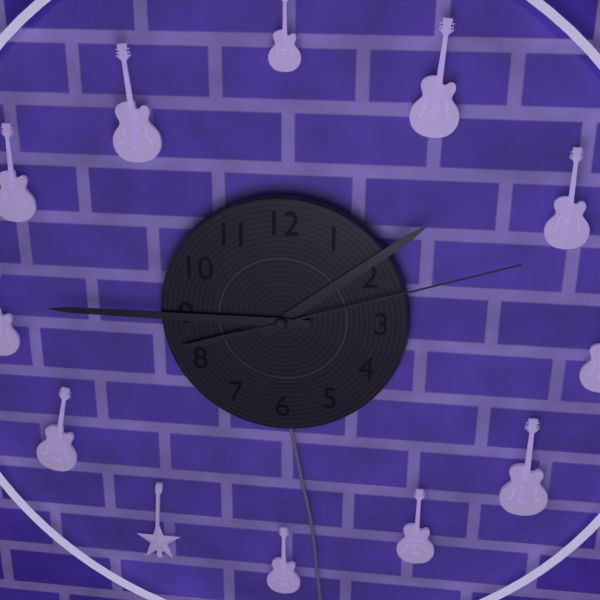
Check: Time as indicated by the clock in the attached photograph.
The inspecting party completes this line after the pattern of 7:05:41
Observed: 1:45:12
